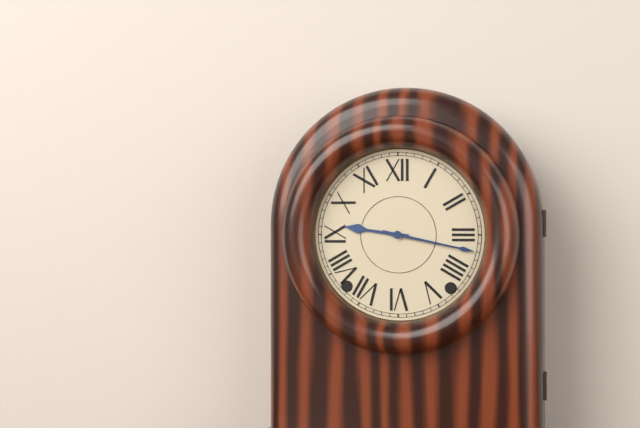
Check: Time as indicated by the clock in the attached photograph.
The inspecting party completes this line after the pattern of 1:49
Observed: 9:17
